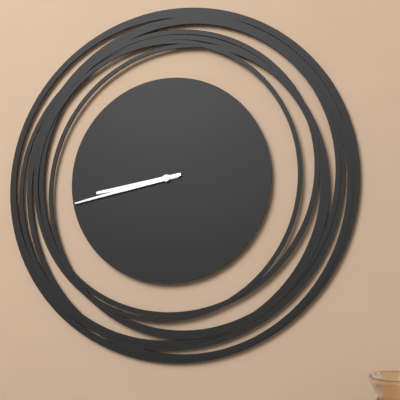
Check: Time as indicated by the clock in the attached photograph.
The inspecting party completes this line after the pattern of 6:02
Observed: 8:43
